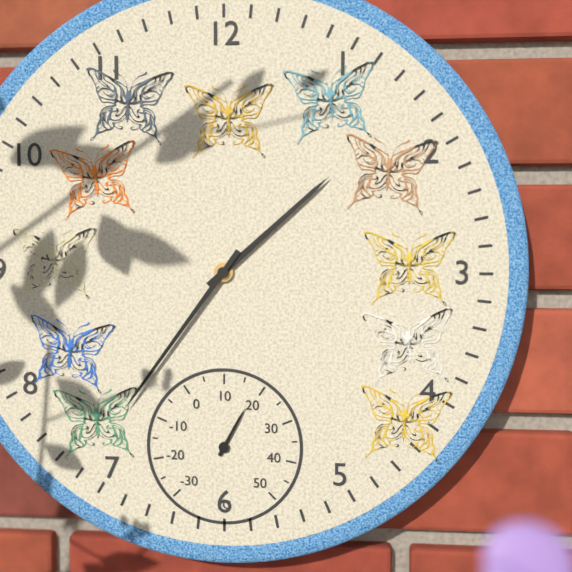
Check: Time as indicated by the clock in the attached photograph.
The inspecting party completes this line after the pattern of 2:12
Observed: 1:36
